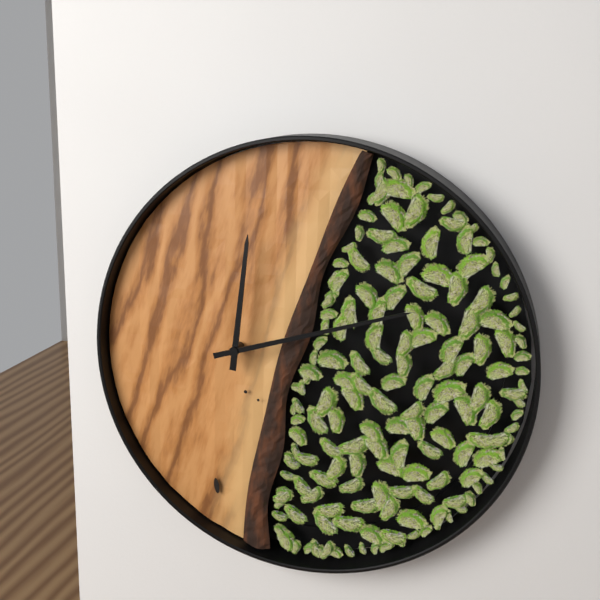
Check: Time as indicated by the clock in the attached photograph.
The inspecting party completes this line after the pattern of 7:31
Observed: 12:12
